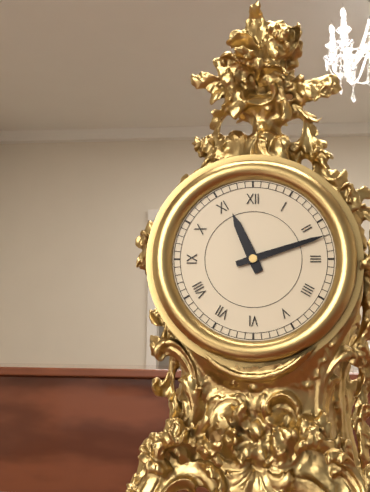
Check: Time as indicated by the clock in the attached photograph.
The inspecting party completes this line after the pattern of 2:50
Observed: 11:12
